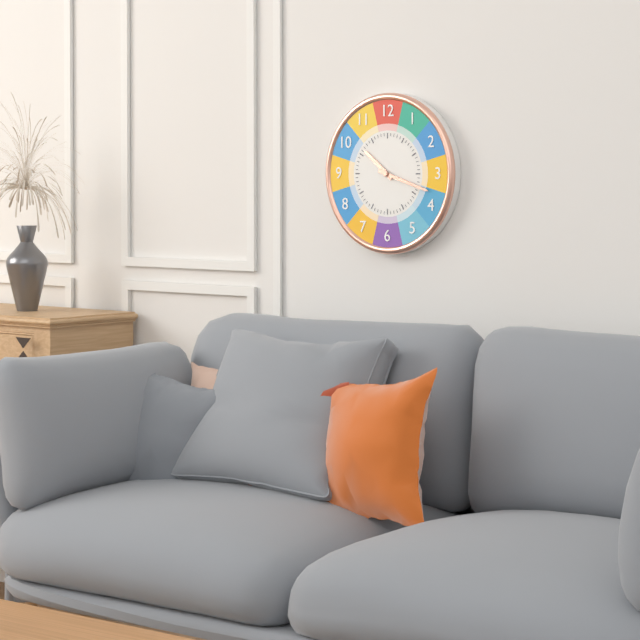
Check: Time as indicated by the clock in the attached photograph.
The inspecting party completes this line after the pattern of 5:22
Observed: 10:18
